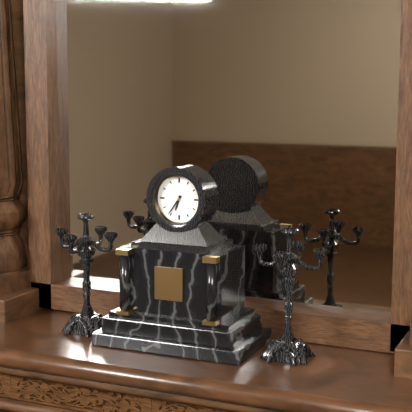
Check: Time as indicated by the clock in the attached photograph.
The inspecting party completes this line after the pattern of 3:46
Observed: 6:36
